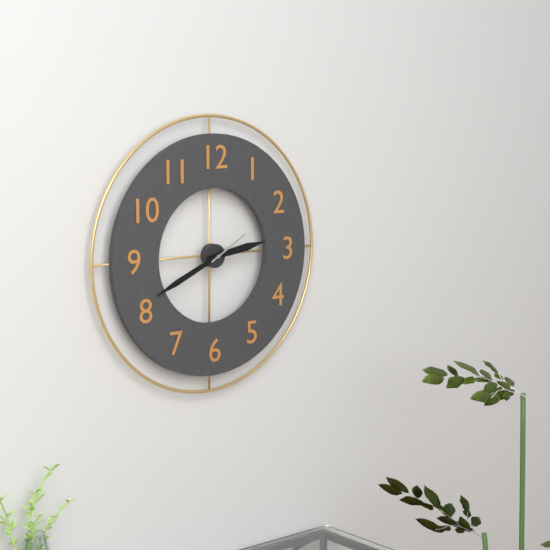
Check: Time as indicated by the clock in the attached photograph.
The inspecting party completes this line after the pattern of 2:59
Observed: 2:41
